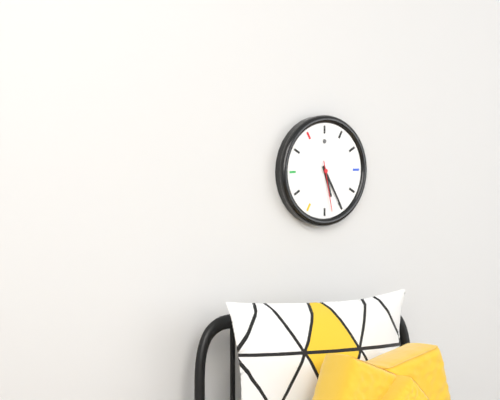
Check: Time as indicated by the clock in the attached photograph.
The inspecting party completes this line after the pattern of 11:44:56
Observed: 5:25:28
